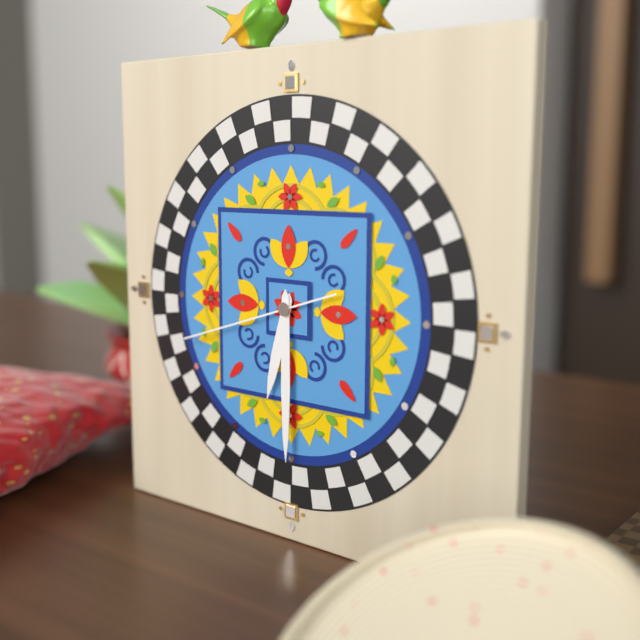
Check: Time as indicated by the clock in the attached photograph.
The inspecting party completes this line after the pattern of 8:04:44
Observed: 6:30:42
